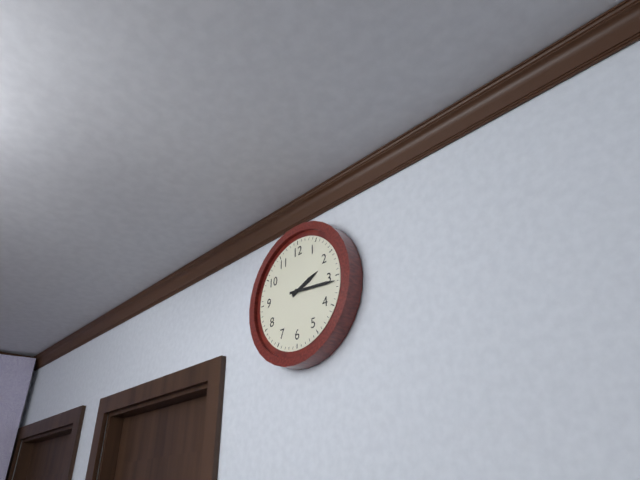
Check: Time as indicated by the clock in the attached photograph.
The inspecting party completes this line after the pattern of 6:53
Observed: 2:16
